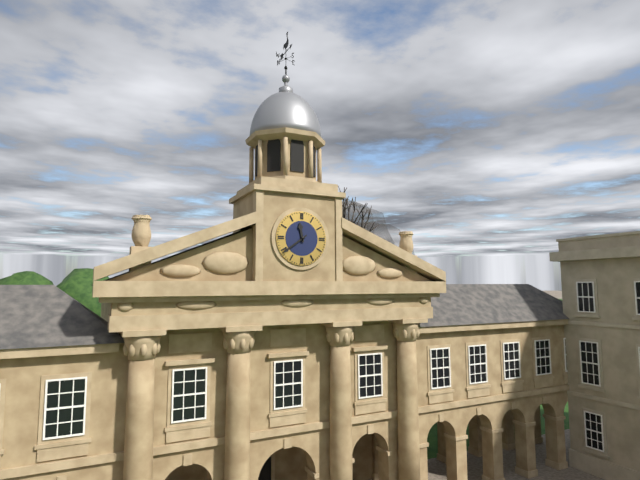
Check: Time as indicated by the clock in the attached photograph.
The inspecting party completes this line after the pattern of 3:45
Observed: 11:39
